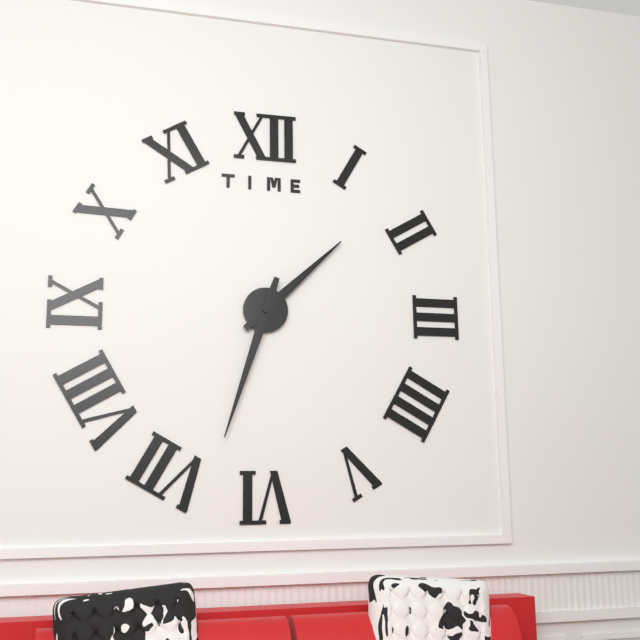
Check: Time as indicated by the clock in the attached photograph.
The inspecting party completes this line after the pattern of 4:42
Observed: 1:33
